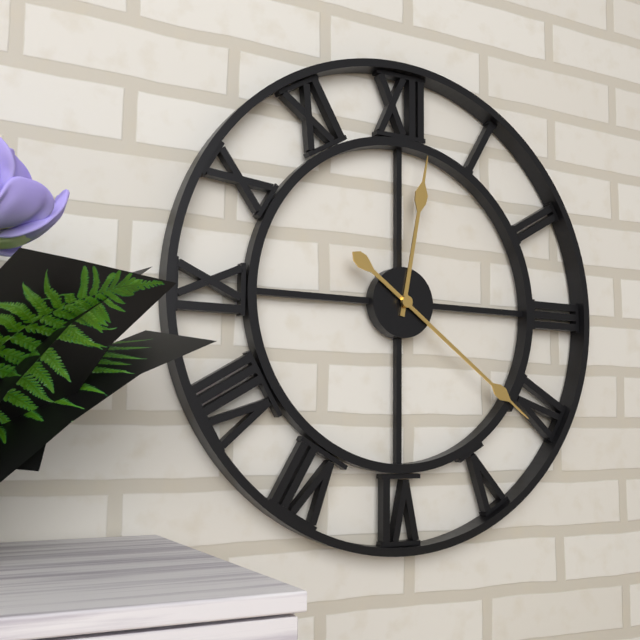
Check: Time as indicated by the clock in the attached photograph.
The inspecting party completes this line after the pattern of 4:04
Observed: 12:21
